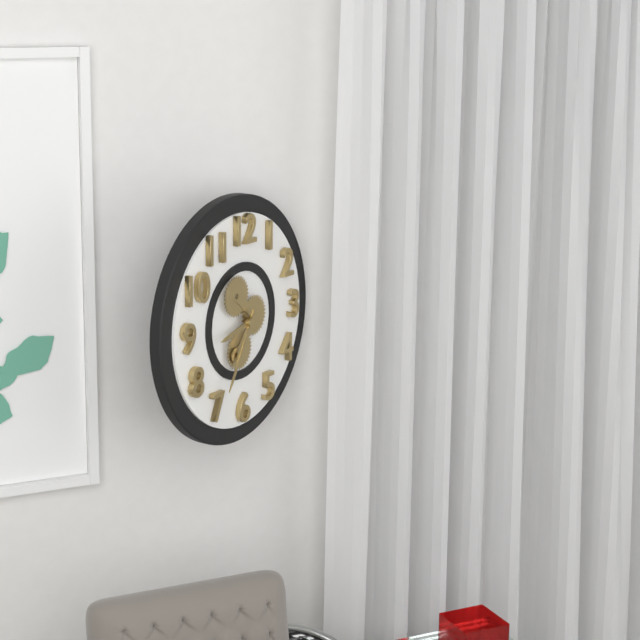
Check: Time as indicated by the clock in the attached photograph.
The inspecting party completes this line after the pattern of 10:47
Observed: 8:35
